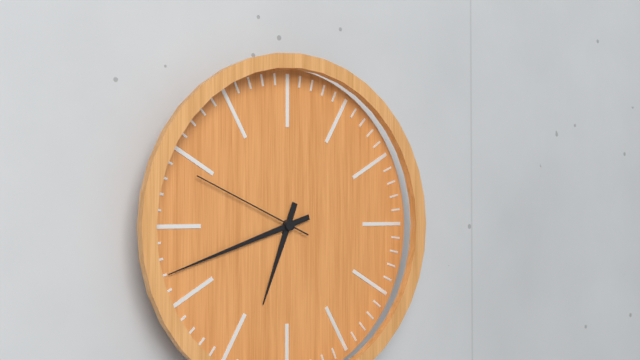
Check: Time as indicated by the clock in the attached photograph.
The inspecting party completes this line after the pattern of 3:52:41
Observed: 6:42:49
